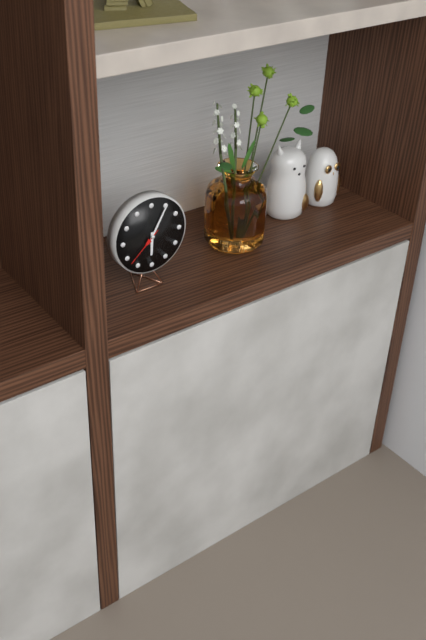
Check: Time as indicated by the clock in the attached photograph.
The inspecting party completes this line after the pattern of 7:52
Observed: 6:05
